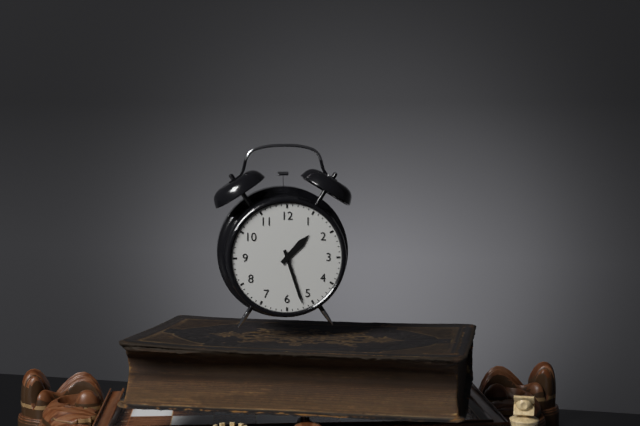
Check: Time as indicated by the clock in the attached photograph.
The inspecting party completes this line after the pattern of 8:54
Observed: 1:27
